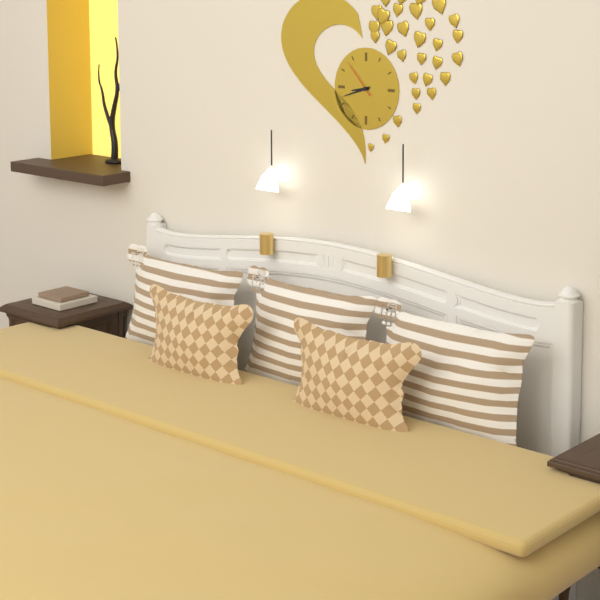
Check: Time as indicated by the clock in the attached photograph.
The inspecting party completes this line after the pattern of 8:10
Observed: 8:42
